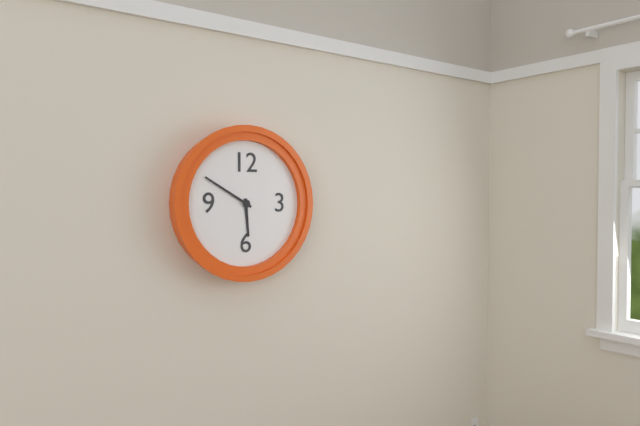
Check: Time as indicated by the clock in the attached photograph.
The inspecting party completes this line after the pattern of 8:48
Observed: 5:50
